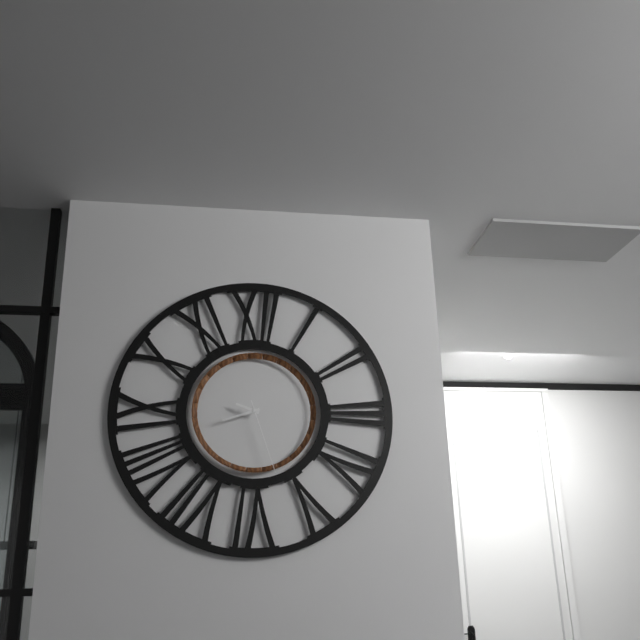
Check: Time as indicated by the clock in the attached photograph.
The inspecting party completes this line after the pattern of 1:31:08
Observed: 9:42:27
